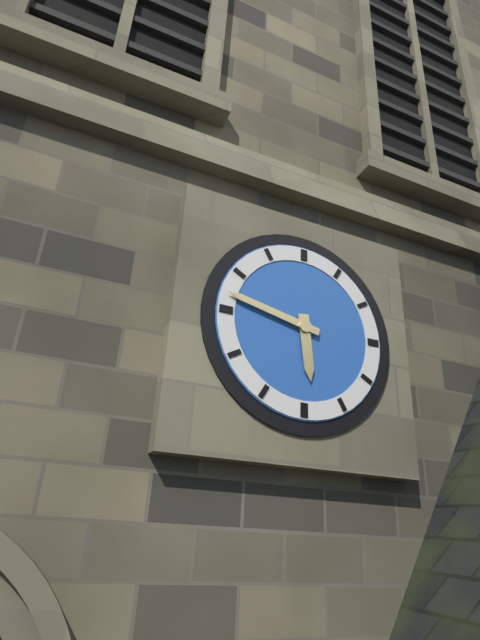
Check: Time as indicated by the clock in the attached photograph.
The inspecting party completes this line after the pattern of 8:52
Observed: 5:47
